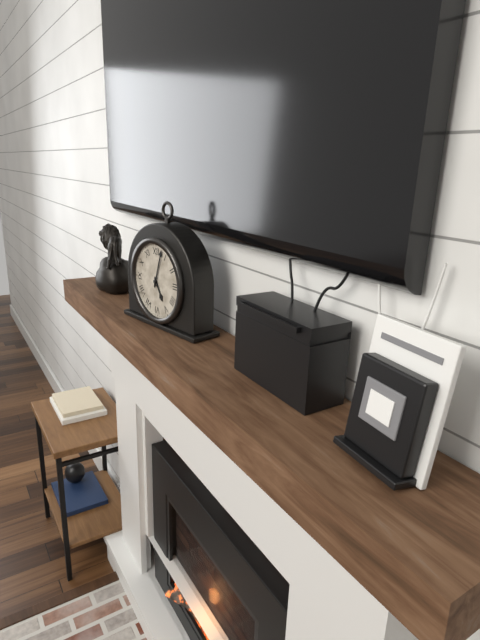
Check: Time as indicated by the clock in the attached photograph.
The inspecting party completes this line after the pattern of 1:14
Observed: 5:03
